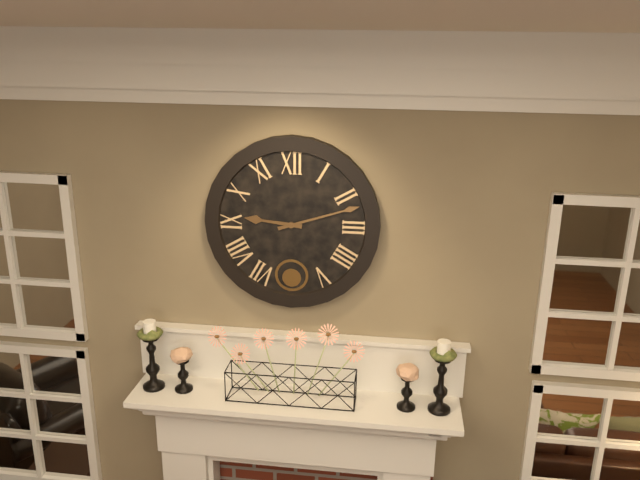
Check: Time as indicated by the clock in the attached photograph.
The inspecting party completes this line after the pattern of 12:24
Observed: 9:12
